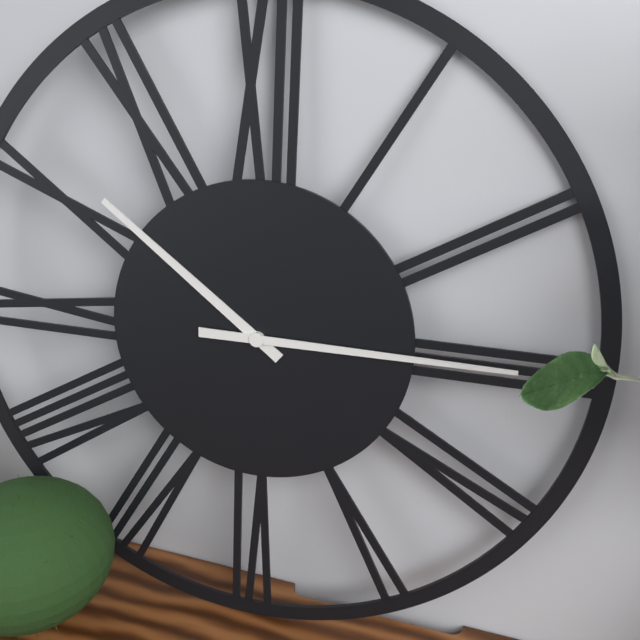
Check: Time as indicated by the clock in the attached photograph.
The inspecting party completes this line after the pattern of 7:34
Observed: 10:15
